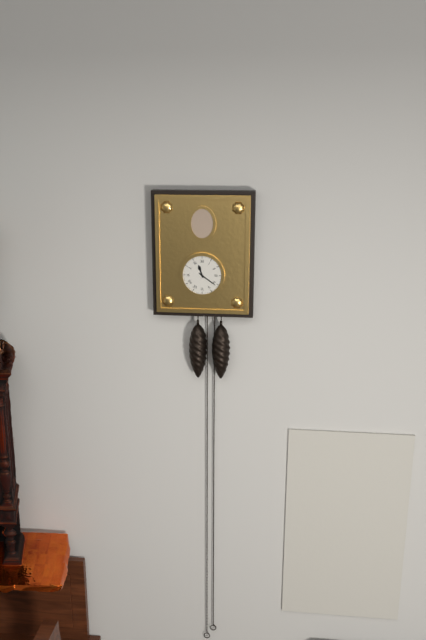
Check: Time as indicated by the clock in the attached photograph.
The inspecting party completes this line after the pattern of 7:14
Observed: 11:21
